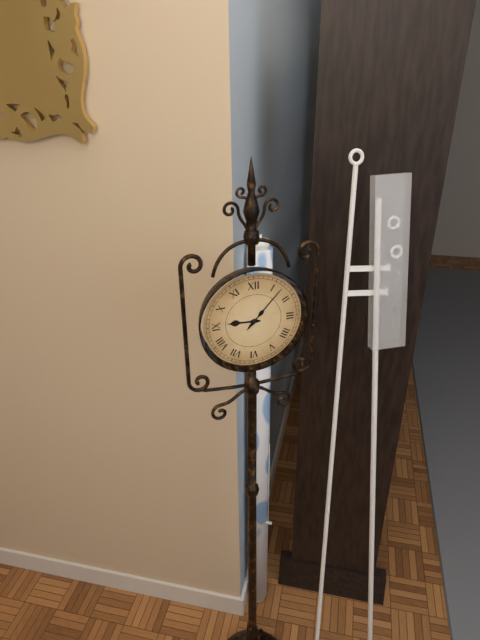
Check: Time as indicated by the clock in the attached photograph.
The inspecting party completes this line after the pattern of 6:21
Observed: 9:07
